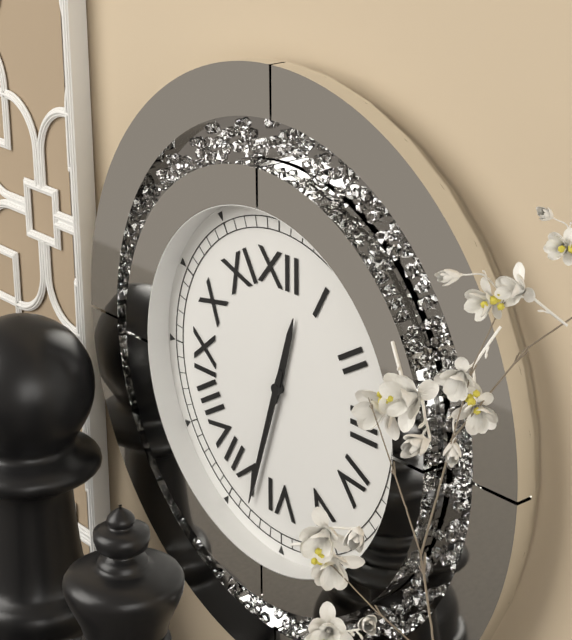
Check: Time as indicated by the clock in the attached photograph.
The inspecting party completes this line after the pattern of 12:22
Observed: 12:33
